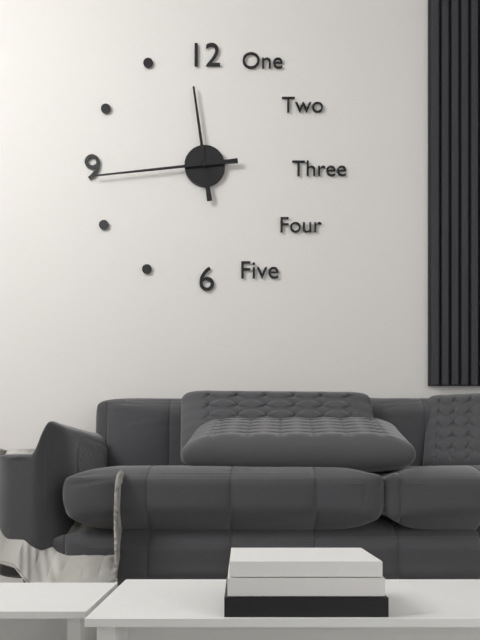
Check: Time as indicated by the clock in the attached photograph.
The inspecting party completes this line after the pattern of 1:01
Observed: 11:44
